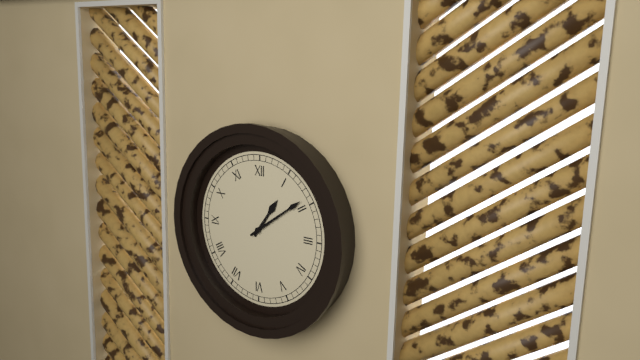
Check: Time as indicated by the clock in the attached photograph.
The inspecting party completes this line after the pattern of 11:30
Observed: 1:09
